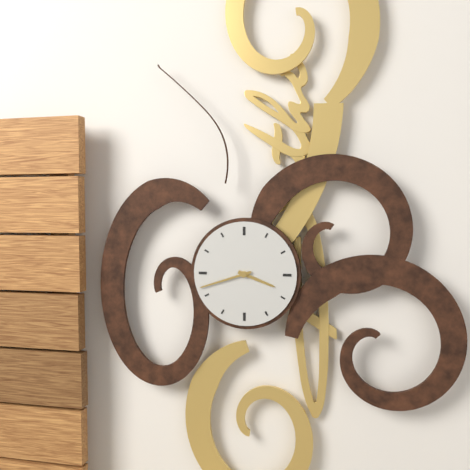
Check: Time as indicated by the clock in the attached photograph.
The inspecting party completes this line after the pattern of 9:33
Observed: 3:42
